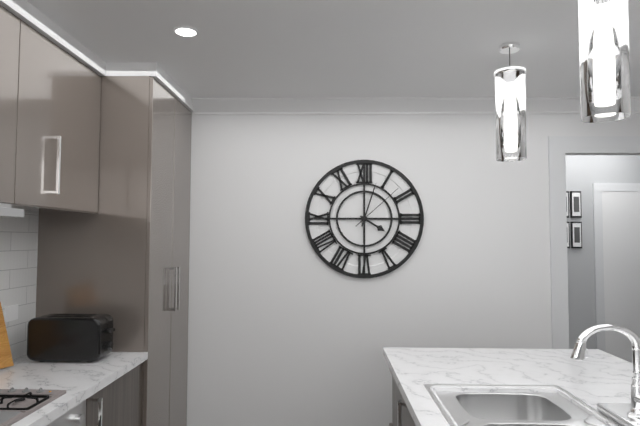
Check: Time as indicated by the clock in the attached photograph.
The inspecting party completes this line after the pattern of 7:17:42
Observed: 4:03:08
